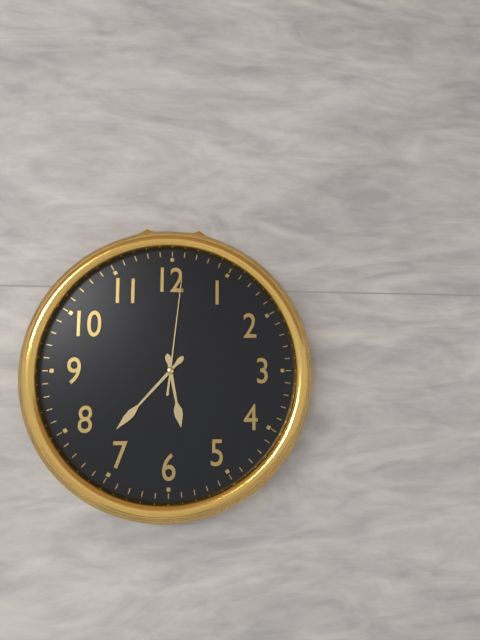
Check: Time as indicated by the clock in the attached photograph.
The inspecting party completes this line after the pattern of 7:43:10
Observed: 5:37:01
